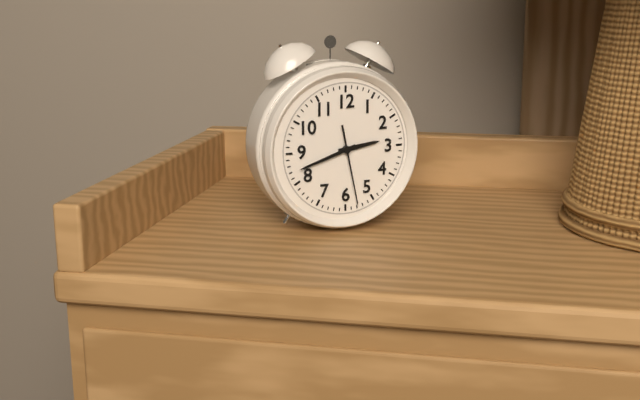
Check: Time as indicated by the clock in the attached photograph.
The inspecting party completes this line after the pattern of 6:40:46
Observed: 2:42:28
